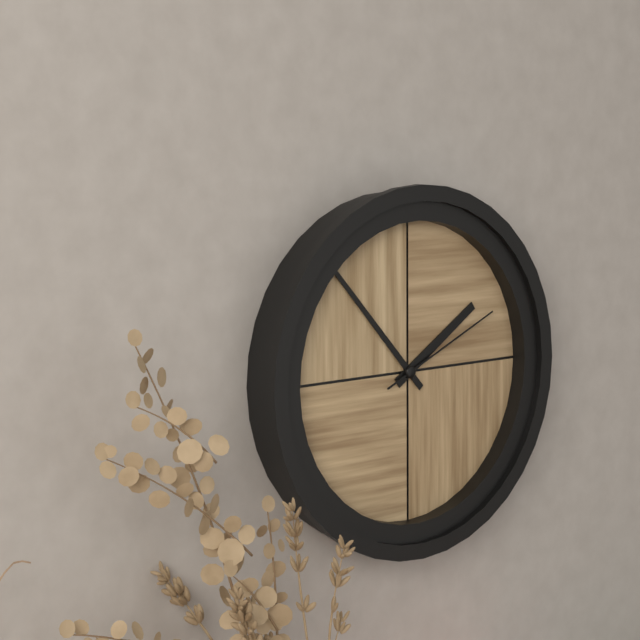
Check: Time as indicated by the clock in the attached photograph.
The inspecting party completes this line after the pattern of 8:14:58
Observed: 1:53:11
